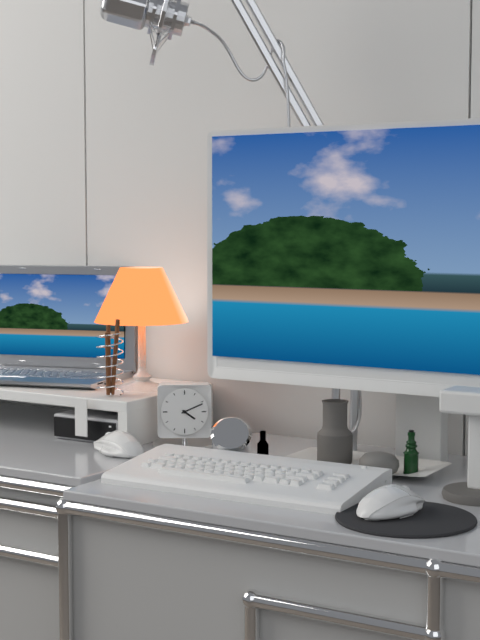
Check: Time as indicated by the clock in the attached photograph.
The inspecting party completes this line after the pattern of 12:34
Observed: 4:11
